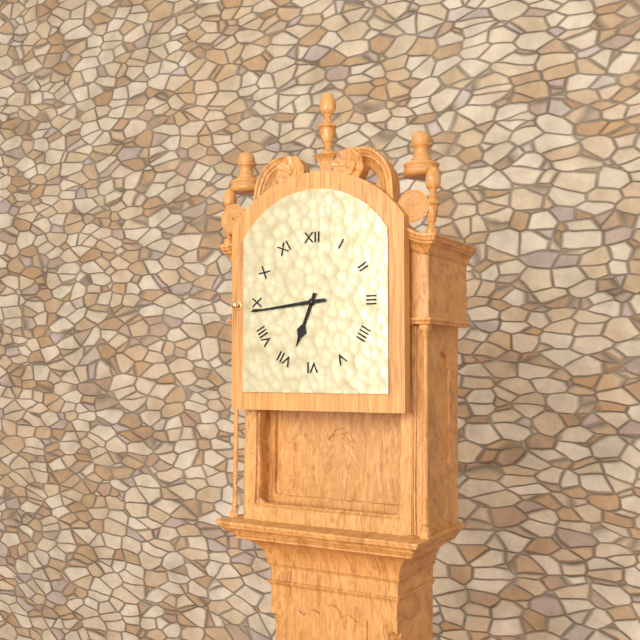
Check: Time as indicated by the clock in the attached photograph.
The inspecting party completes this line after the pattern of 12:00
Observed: 6:44
